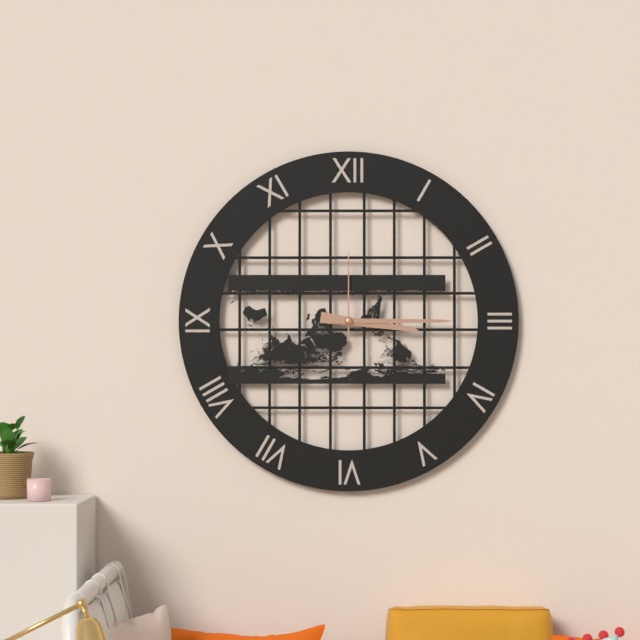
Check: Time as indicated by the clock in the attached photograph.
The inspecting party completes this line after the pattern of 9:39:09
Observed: 3:15:00
